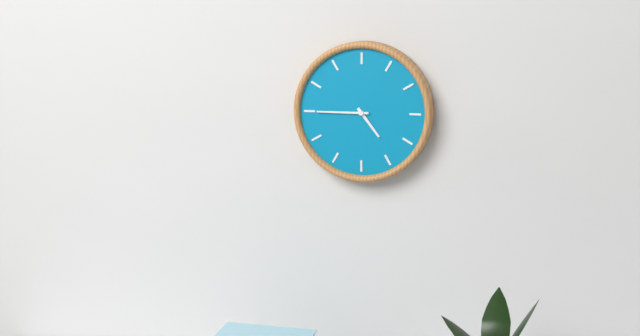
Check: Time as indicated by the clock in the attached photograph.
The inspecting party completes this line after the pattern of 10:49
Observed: 4:45
